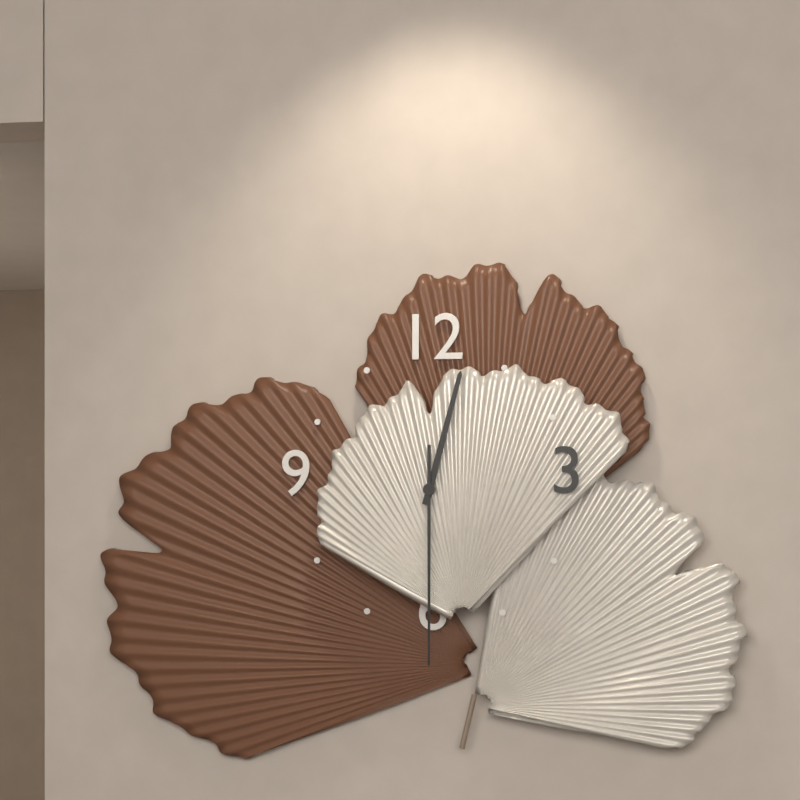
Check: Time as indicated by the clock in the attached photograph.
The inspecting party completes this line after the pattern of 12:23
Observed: 12:30
